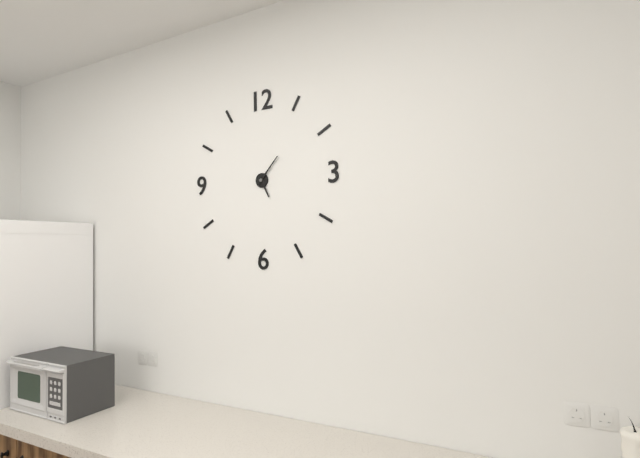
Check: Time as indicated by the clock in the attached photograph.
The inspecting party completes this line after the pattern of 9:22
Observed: 5:07
